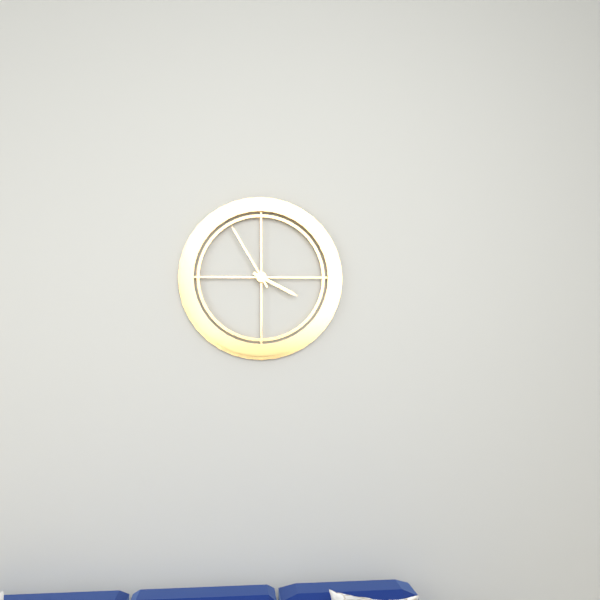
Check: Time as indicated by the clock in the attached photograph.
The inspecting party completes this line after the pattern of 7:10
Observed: 3:55
